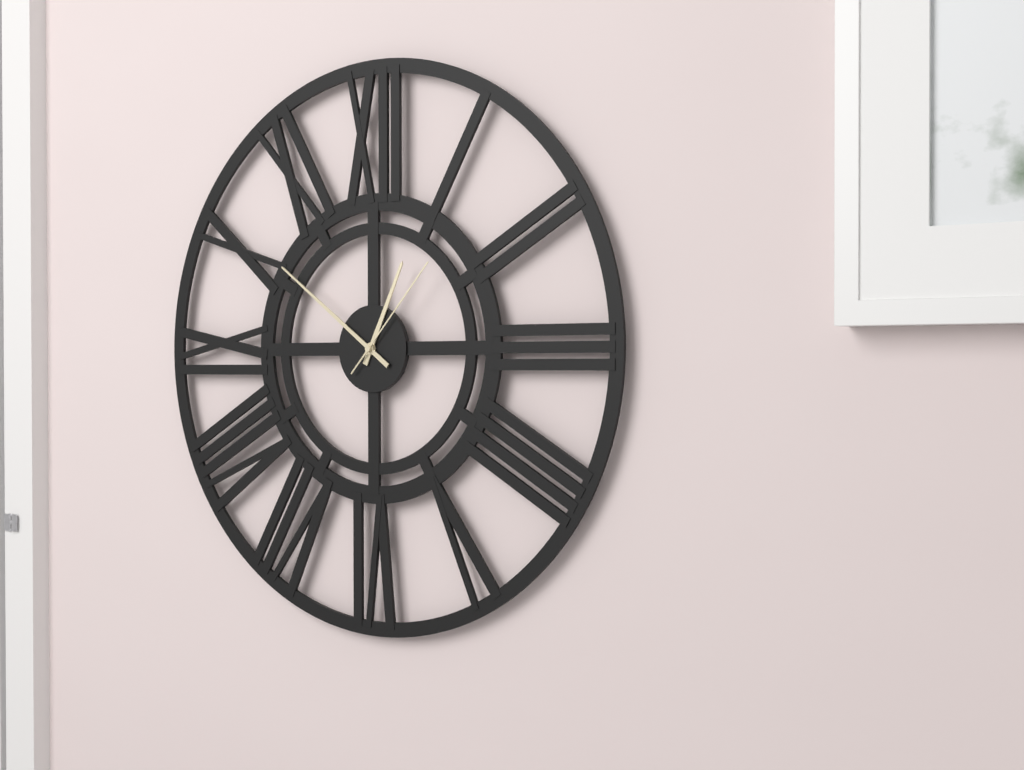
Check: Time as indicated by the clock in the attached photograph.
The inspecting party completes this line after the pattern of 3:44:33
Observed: 12:51:07
